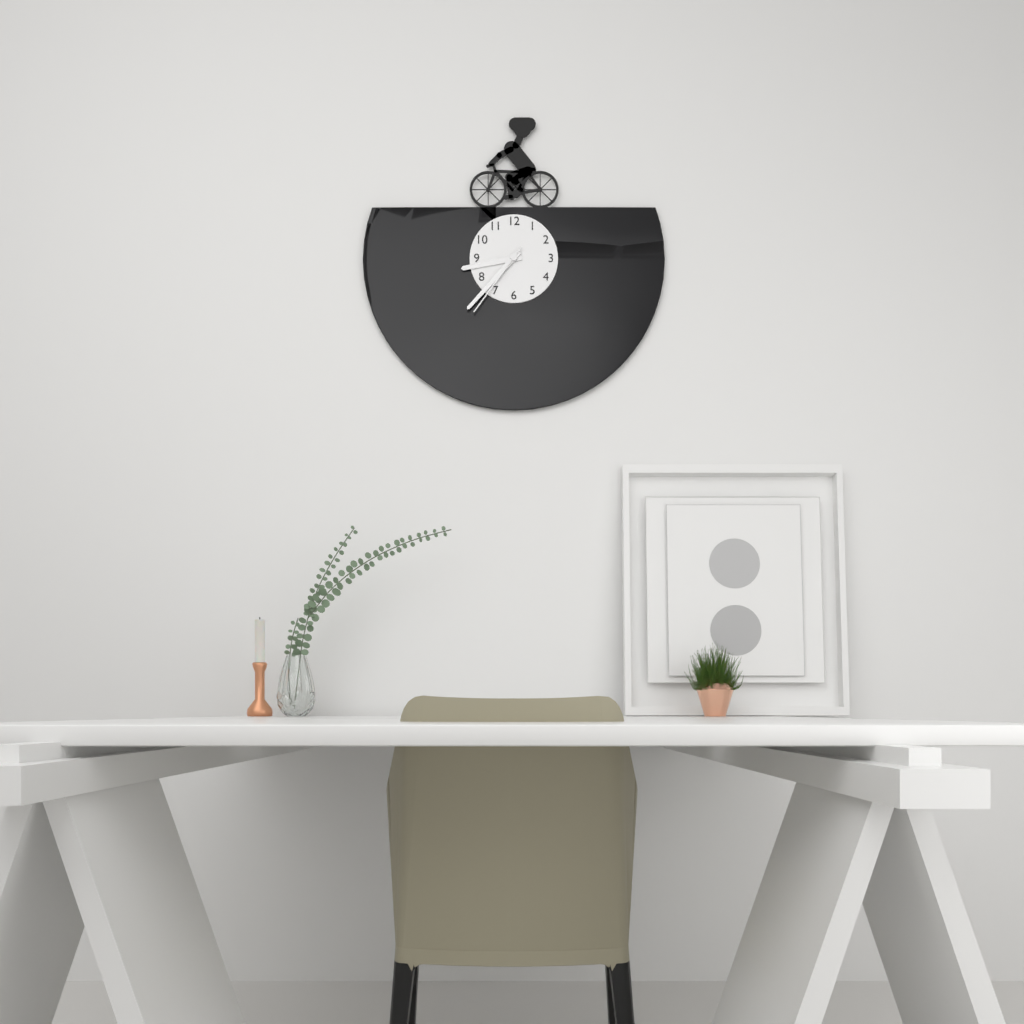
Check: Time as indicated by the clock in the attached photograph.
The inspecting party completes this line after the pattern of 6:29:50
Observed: 8:37:36
